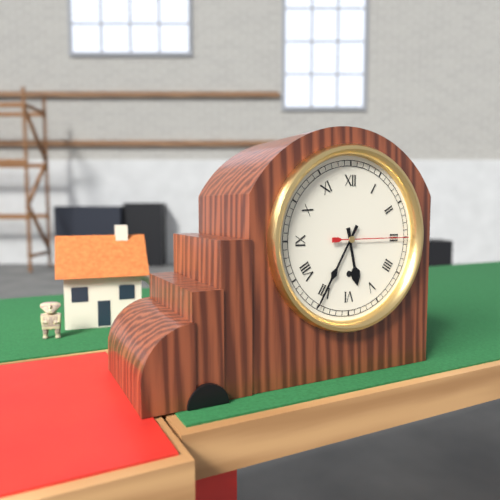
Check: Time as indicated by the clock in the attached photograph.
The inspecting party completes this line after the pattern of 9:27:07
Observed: 5:35:15
